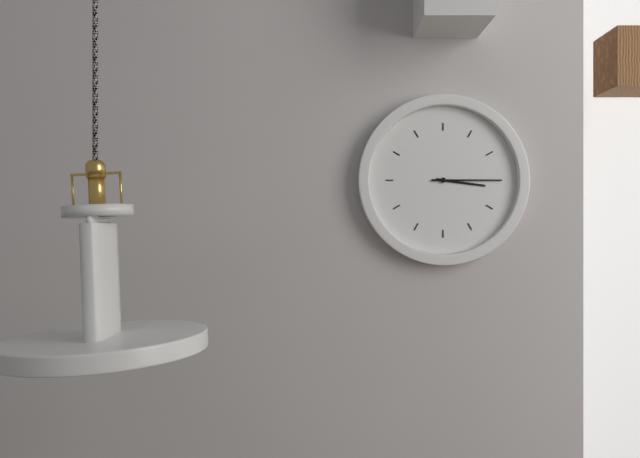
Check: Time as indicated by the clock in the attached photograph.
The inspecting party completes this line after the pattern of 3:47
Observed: 3:15
